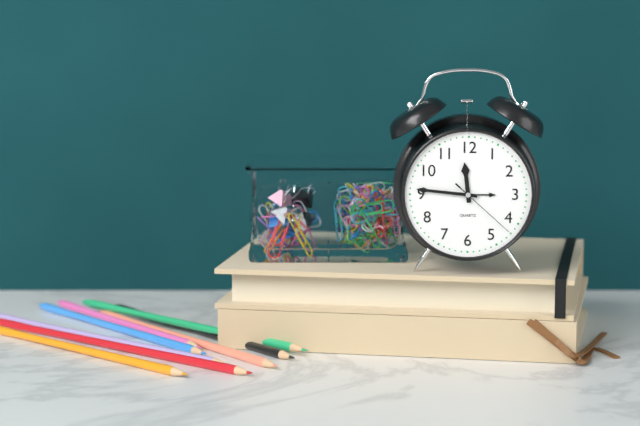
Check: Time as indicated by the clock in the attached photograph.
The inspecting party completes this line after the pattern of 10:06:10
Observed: 11:46:22
